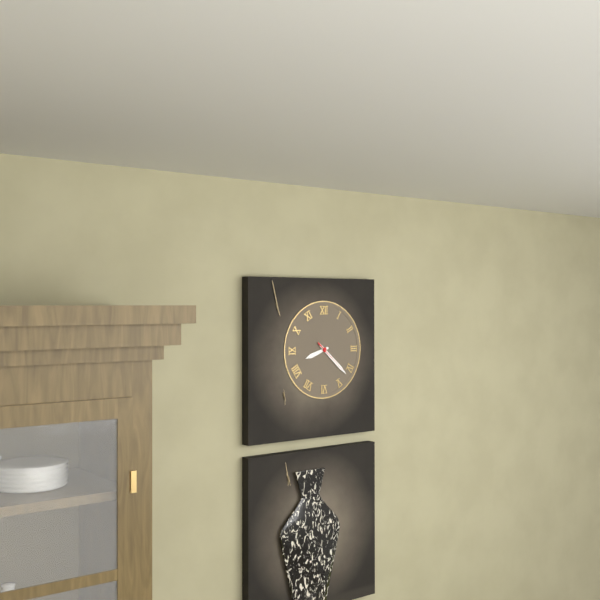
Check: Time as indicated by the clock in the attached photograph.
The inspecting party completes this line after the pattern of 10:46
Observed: 8:22
